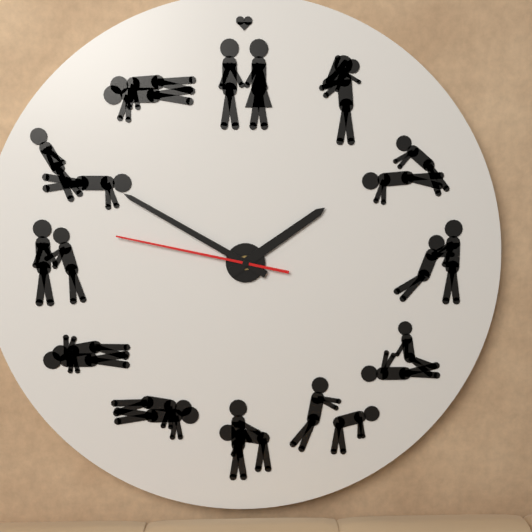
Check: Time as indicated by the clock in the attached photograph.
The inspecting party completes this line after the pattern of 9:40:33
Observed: 1:50:47
